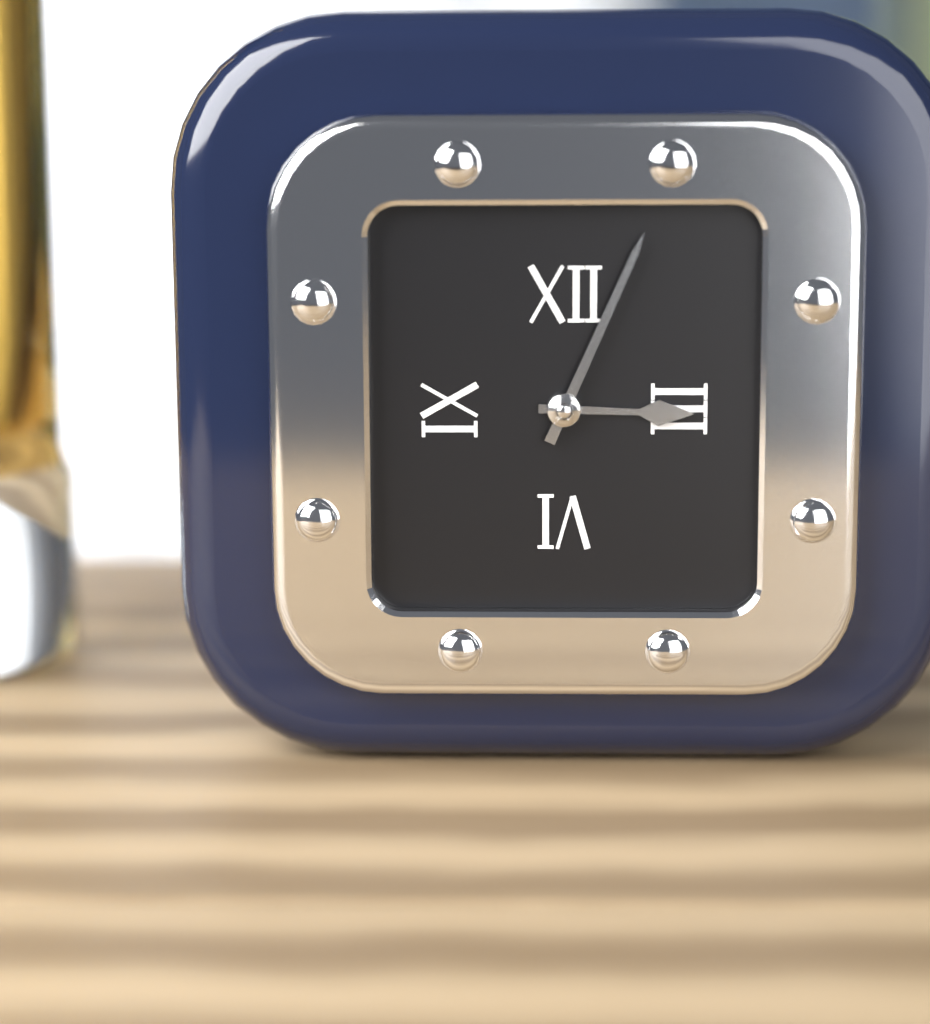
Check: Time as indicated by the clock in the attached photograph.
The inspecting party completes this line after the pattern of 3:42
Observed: 3:04
